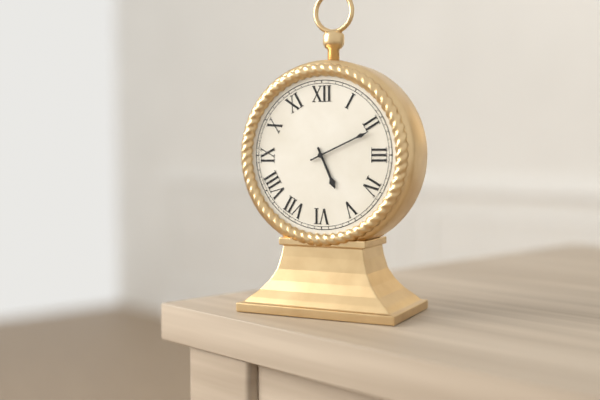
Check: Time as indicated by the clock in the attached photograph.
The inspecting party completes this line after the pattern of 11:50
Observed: 5:11
